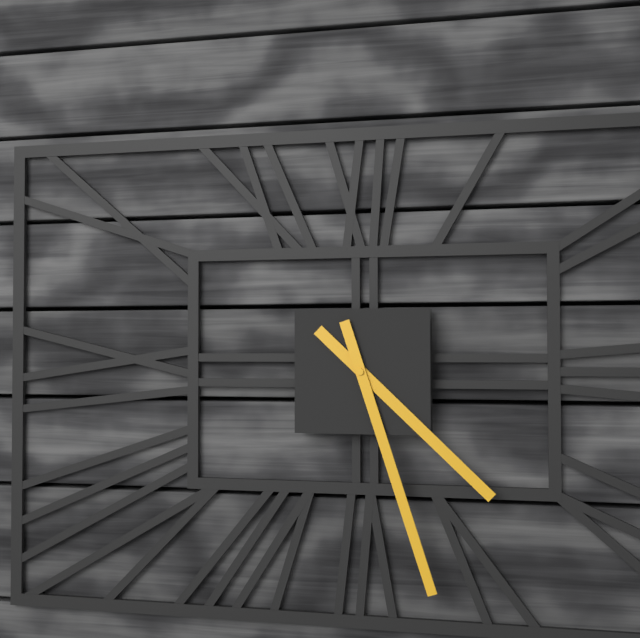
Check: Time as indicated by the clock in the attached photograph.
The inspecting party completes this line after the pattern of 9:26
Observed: 4:27
